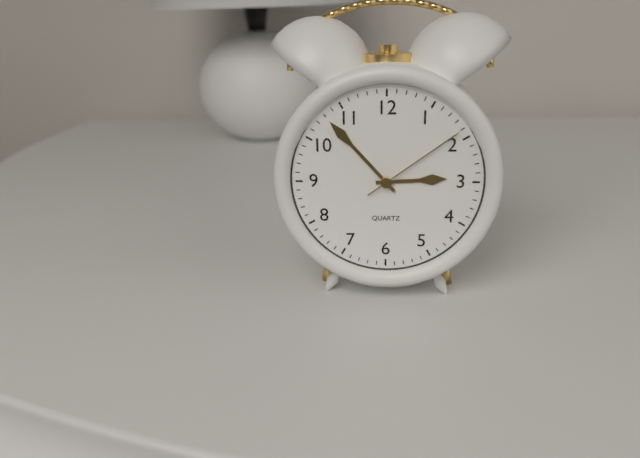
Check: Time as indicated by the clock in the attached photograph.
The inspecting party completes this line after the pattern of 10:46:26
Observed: 2:53:09
